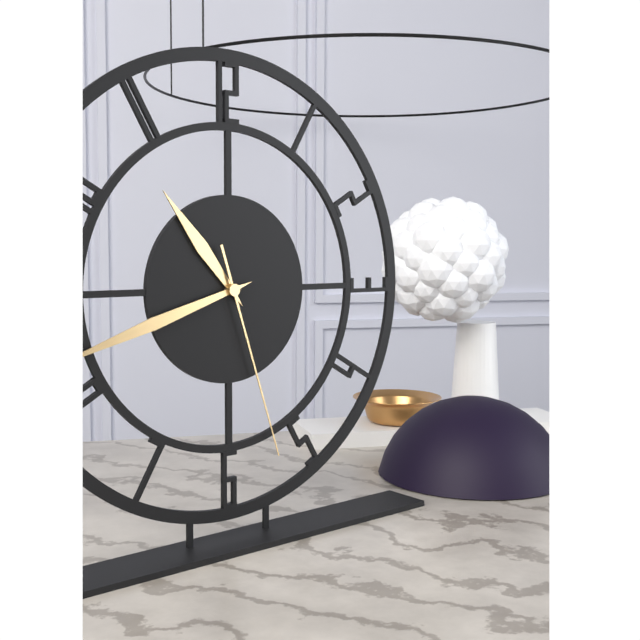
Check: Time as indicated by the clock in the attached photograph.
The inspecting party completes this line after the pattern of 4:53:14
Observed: 10:42:27
